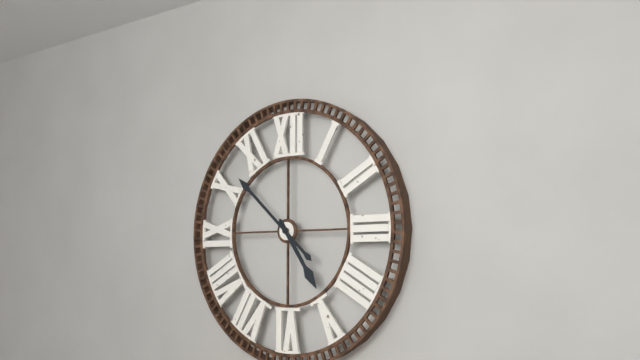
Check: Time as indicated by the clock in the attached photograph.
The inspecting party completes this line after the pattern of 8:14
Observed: 4:52
